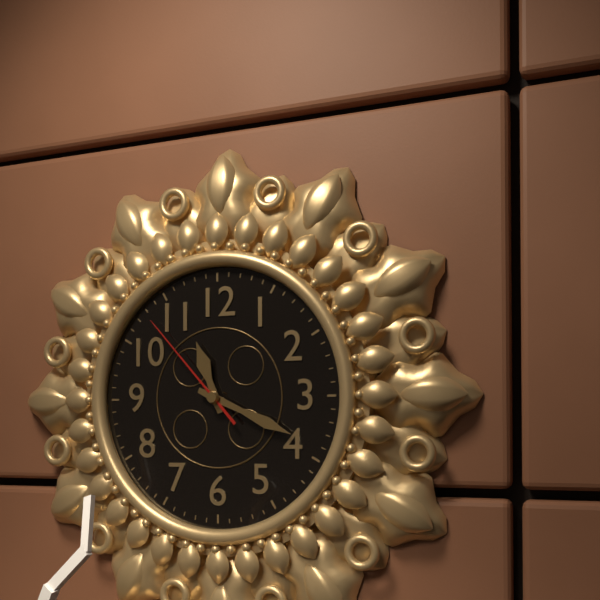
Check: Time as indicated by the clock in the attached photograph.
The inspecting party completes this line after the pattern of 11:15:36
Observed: 11:19:53
